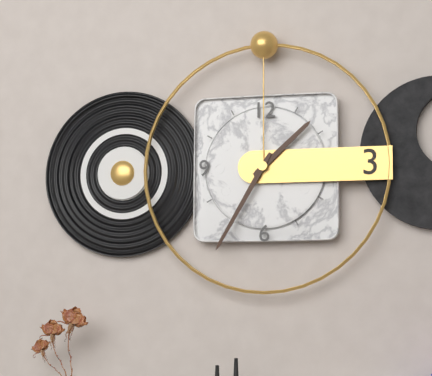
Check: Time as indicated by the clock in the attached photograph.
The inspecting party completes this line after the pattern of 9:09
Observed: 1:35
